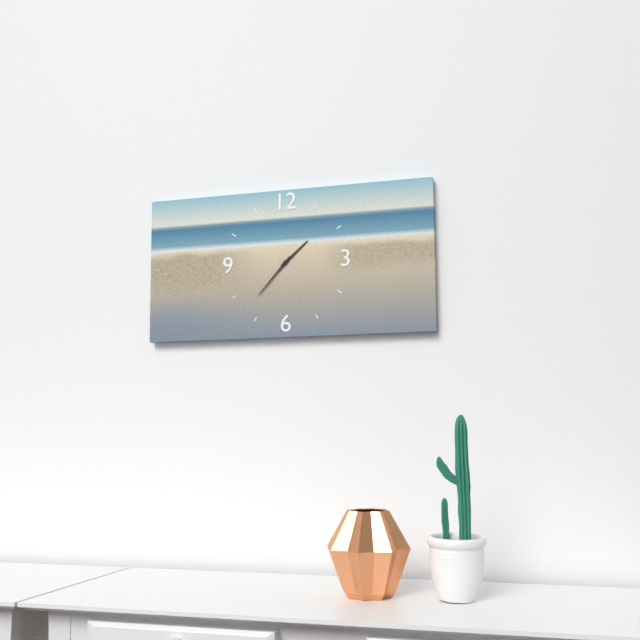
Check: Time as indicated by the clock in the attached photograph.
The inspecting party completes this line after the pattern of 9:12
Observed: 1:37
